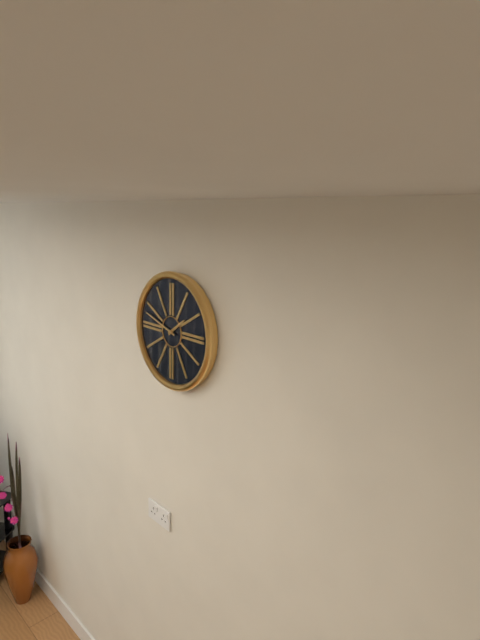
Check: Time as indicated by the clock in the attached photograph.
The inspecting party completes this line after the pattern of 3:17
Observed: 1:48
